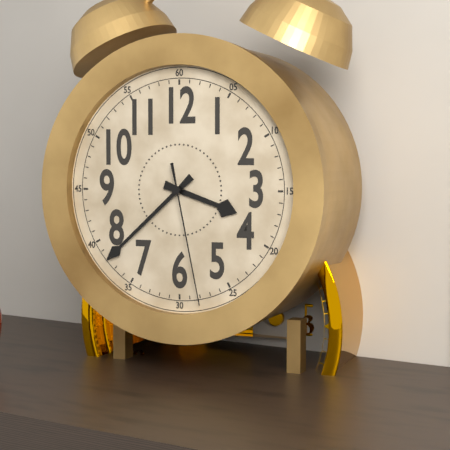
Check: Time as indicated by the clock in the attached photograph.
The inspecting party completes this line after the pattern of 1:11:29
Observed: 3:38:28
